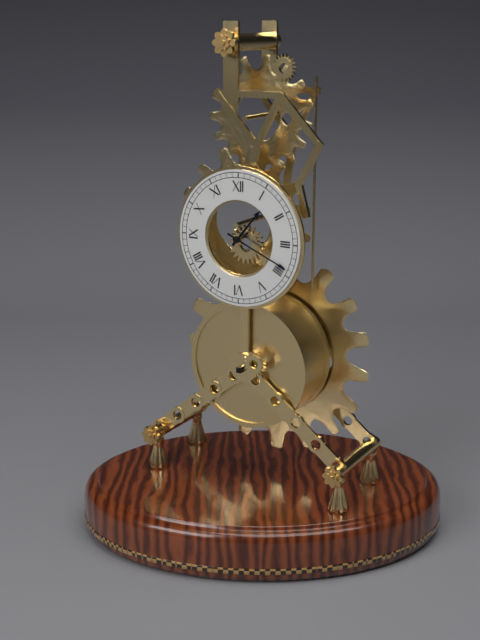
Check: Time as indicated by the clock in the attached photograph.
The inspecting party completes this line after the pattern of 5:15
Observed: 1:19
